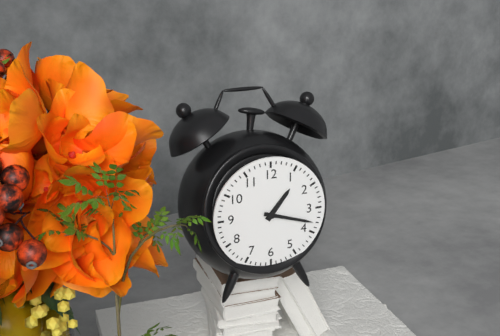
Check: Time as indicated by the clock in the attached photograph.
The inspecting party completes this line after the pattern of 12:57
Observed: 1:18
